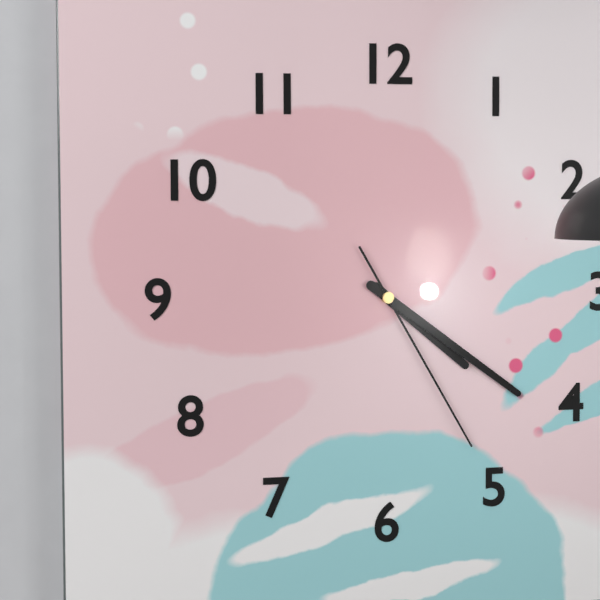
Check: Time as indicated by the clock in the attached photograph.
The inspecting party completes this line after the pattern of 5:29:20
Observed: 4:21:25
